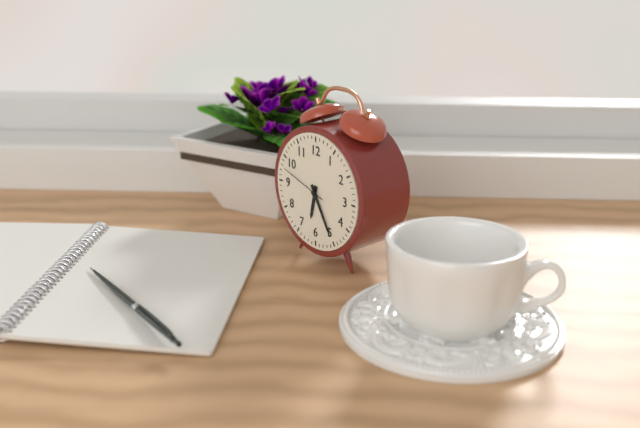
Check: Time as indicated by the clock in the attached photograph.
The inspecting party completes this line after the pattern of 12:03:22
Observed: 6:25:48
